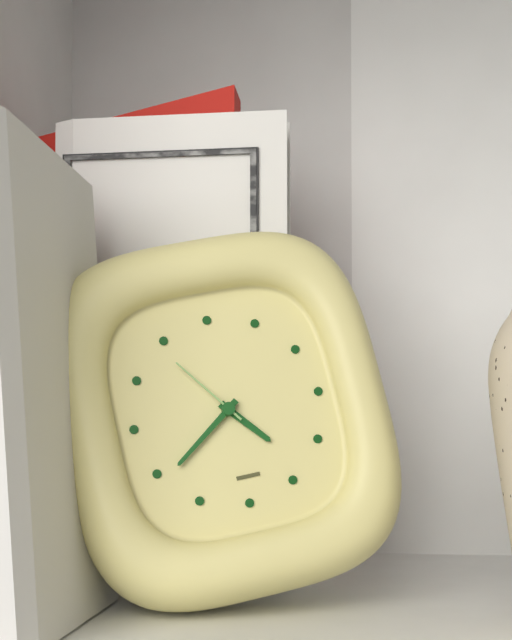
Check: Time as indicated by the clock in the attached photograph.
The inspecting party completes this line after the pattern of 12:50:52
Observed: 4:39:54
